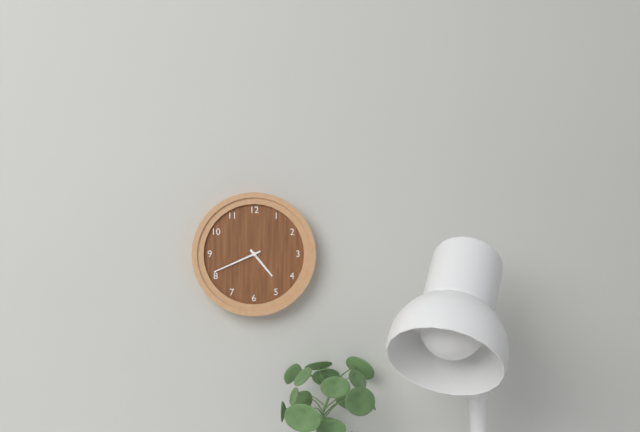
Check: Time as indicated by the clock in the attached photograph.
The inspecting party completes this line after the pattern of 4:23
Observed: 4:41
